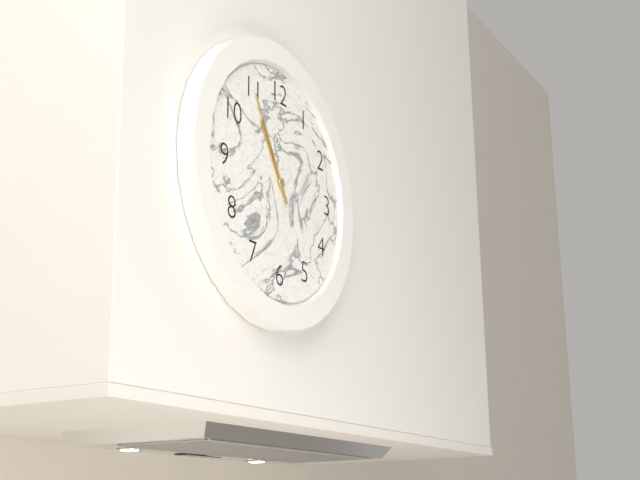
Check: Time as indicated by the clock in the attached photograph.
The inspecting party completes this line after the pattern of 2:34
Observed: 10:55
